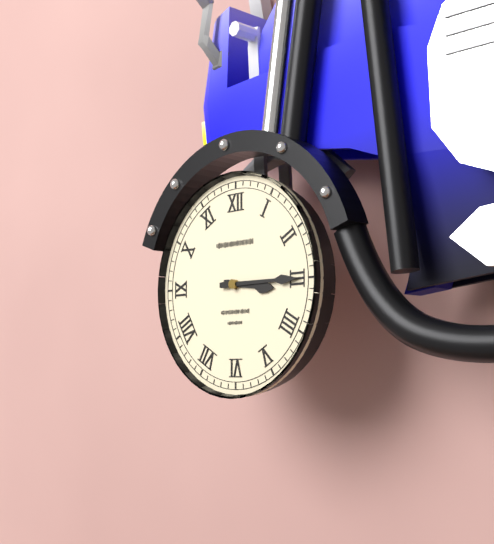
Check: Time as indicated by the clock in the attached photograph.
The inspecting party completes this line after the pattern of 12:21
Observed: 3:15
